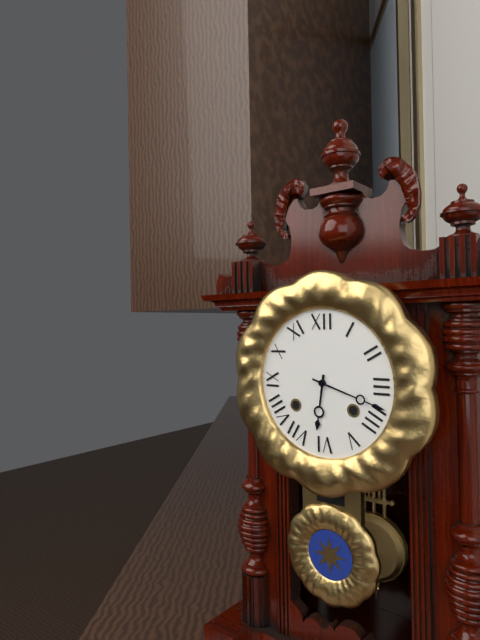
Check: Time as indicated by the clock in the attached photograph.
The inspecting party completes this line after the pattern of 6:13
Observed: 6:18
